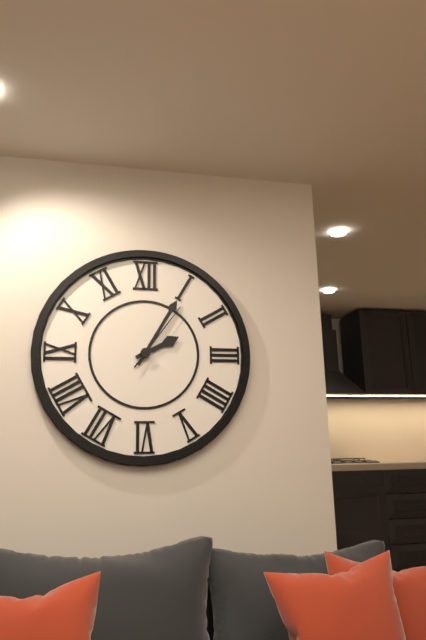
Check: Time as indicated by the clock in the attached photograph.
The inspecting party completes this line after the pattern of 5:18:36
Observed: 2:05:06
